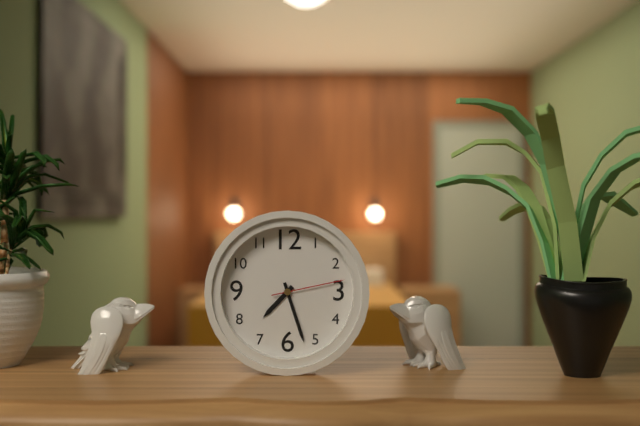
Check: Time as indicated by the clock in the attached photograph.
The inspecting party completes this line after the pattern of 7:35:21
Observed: 7:27:13
